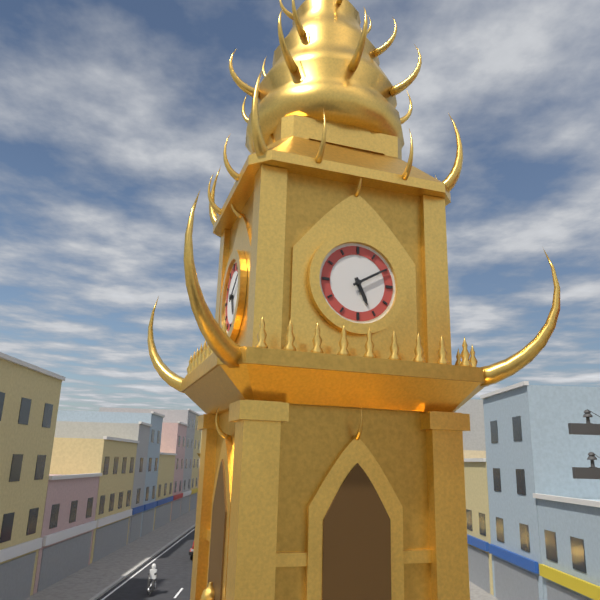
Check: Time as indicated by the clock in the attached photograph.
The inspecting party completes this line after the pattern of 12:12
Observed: 5:10
